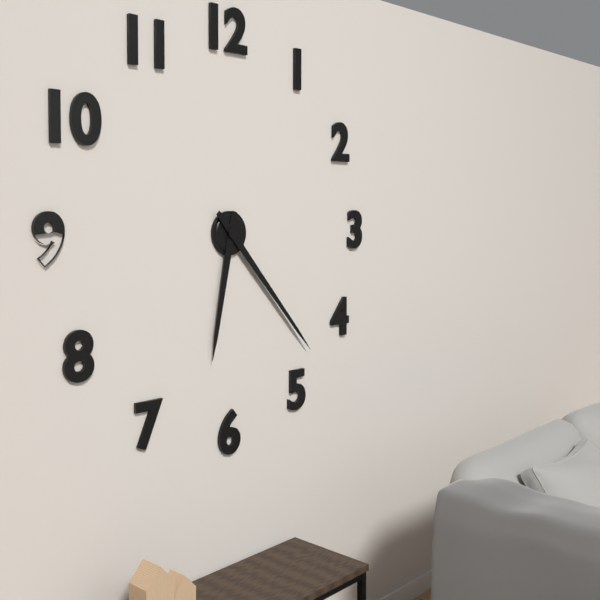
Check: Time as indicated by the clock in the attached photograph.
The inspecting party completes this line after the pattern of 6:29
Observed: 6:23
